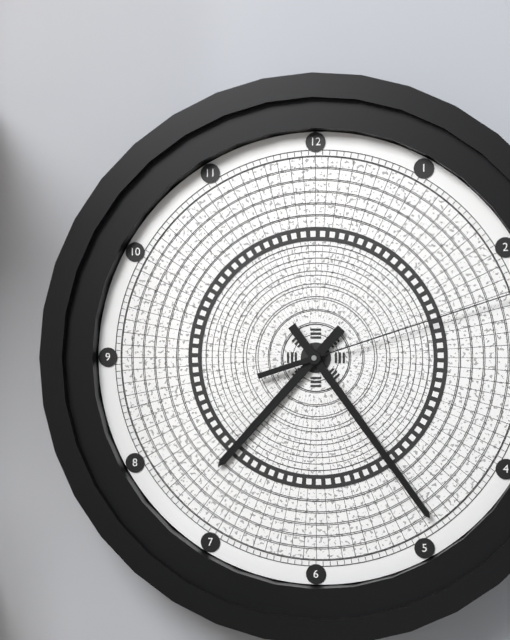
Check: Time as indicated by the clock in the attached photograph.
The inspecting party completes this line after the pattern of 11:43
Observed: 7:24
